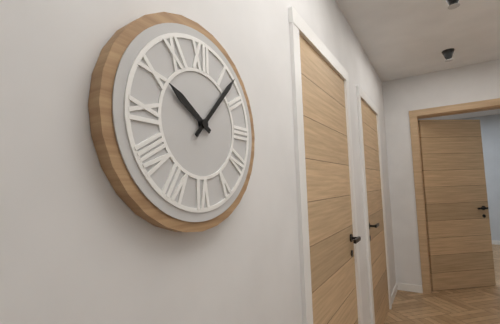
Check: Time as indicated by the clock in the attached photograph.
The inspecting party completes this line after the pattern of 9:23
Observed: 10:07
